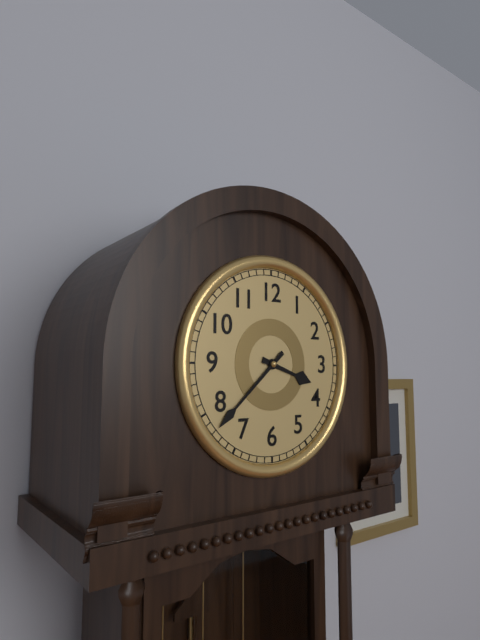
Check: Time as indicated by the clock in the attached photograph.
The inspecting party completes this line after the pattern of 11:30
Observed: 3:38
